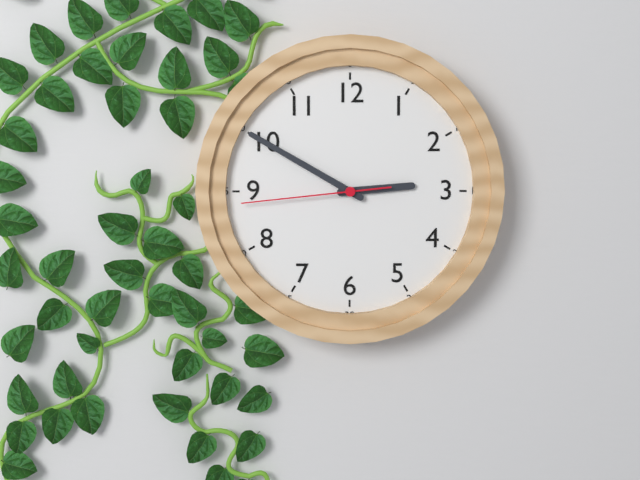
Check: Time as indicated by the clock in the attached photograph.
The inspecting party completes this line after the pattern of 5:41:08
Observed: 2:50:44
